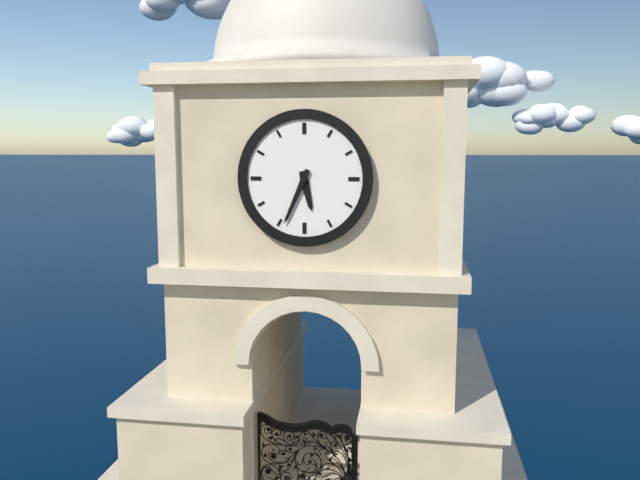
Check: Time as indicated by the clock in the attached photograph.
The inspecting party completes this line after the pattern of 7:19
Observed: 5:34
